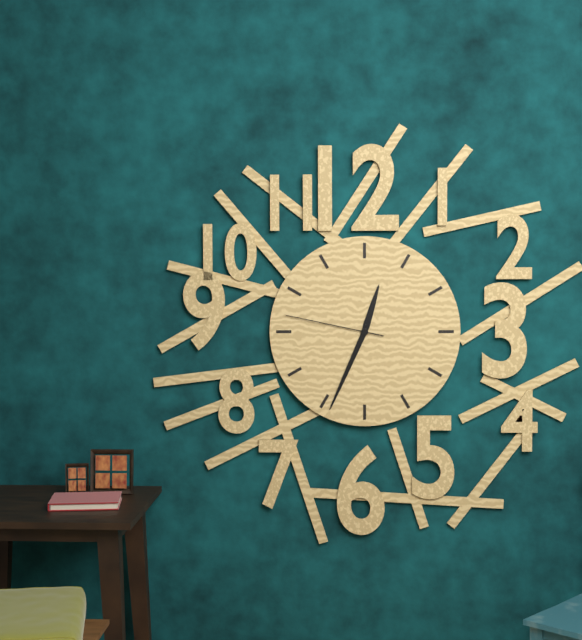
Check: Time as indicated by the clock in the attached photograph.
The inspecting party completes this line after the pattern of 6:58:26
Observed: 12:34:47
